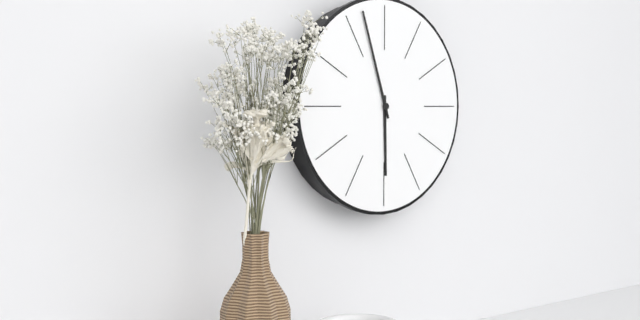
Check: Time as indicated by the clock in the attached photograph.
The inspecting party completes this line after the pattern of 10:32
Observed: 5:57
